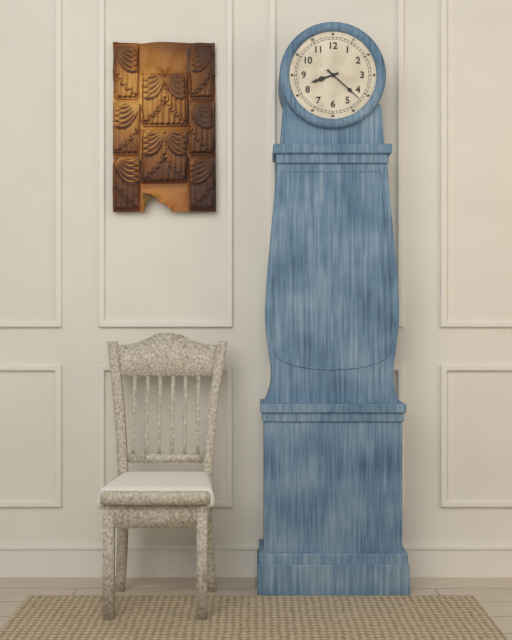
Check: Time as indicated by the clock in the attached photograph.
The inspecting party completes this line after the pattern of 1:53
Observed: 8:22
